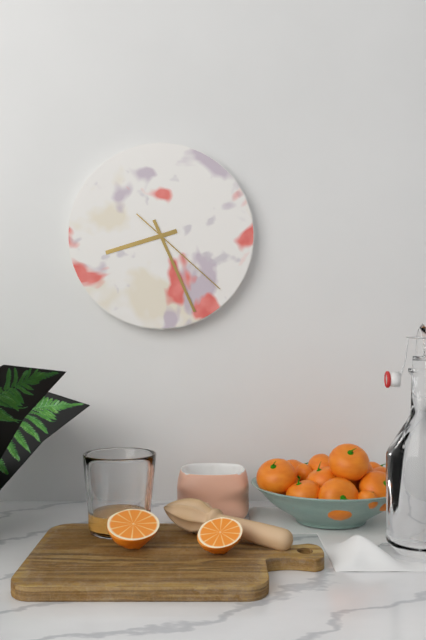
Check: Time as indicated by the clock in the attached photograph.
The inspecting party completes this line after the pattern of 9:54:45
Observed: 8:26:22
